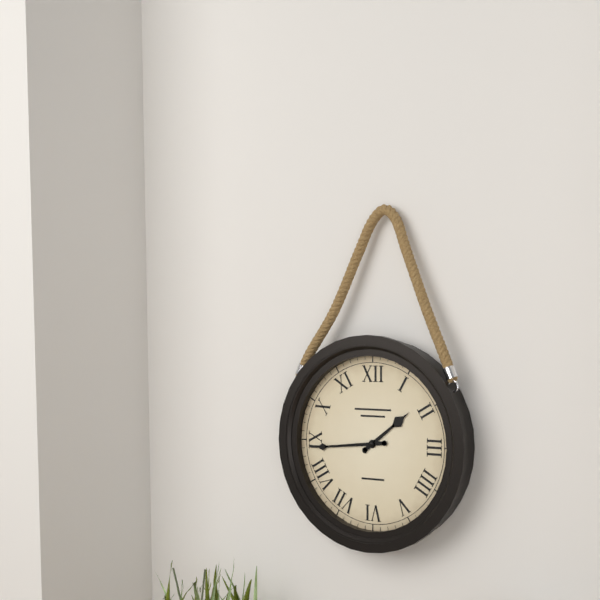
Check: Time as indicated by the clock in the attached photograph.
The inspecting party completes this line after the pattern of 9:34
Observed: 1:44
